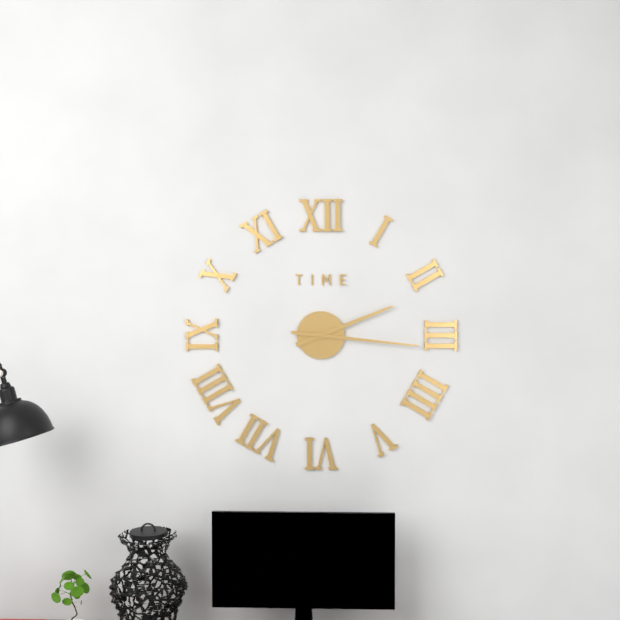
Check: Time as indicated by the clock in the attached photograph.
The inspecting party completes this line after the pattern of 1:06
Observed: 2:16
